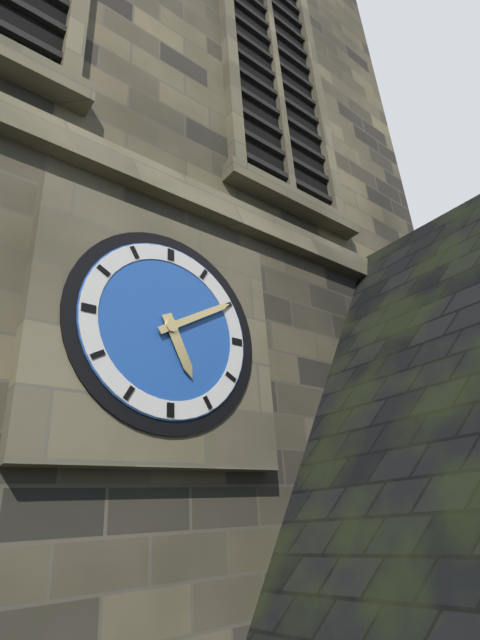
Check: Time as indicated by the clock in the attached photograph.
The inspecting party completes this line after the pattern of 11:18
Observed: 5:10
